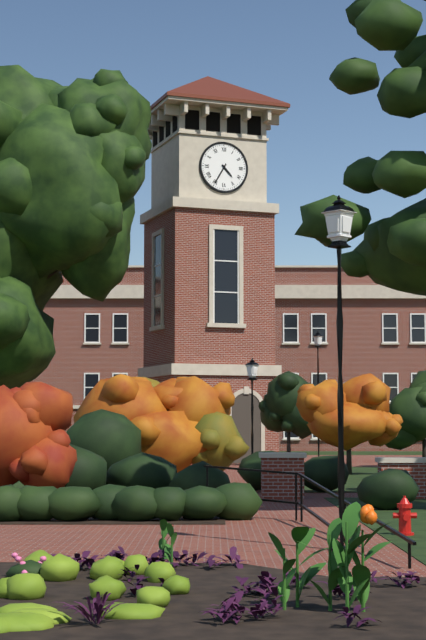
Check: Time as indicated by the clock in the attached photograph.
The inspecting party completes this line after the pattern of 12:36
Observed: 4:35
